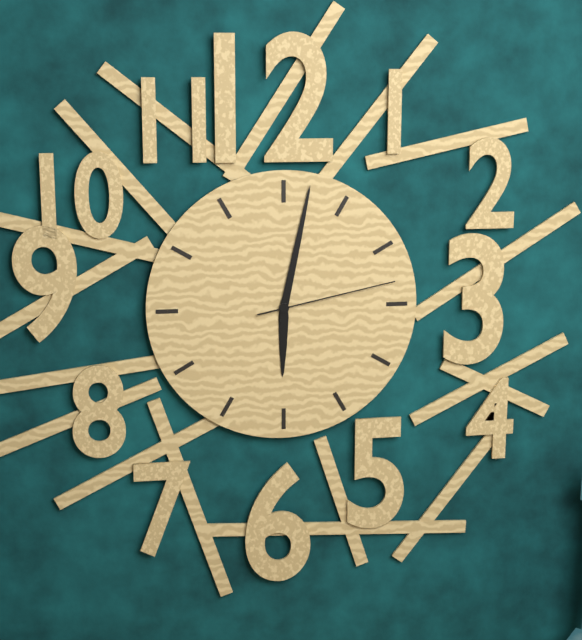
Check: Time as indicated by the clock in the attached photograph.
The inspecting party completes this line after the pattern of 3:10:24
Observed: 6:02:13
